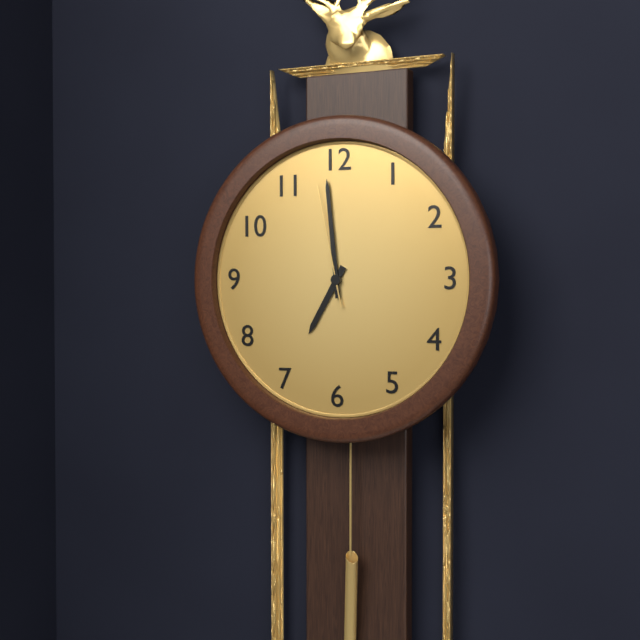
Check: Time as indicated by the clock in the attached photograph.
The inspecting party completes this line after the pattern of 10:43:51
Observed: 6:59:58
